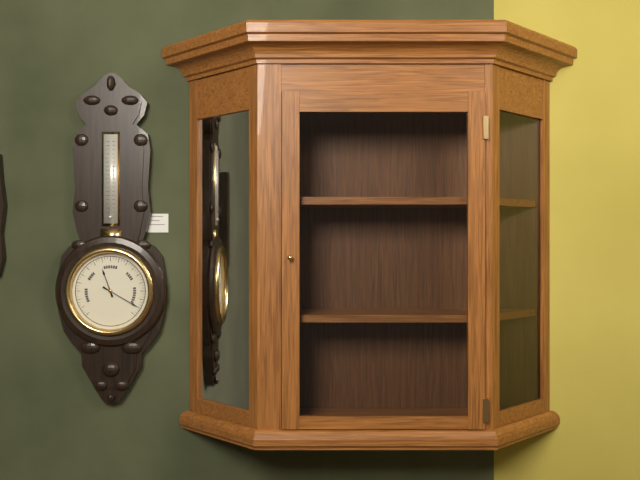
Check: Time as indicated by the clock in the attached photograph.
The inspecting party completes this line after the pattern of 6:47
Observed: 11:20
